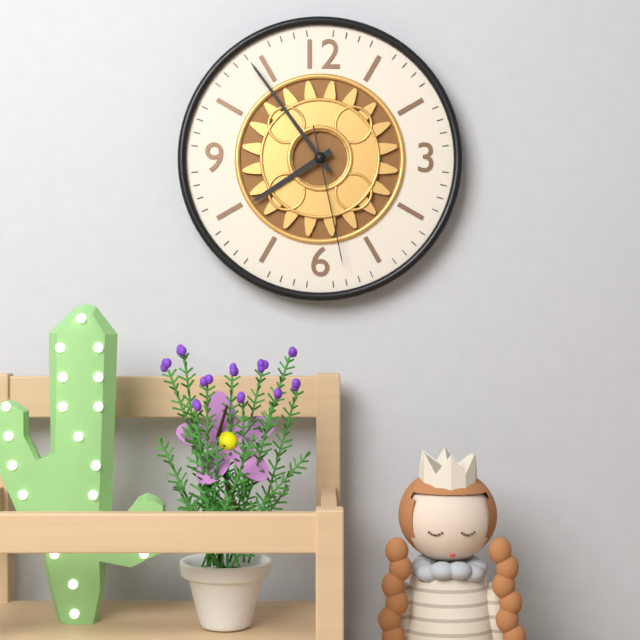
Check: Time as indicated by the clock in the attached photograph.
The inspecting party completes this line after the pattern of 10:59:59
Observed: 7:54:28
